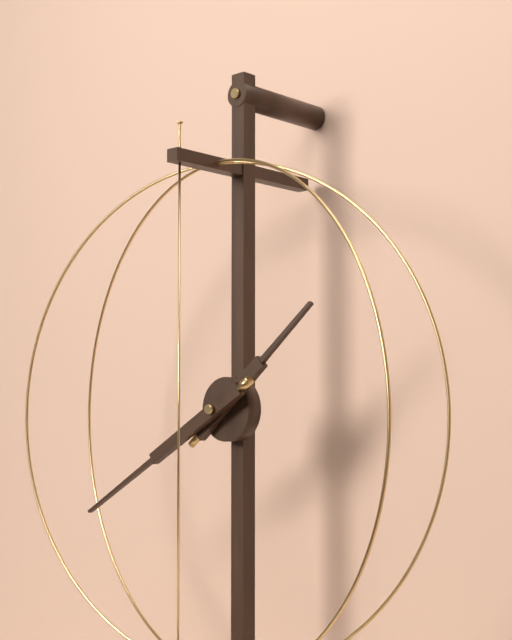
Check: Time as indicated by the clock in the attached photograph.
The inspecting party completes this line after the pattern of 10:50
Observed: 1:40
